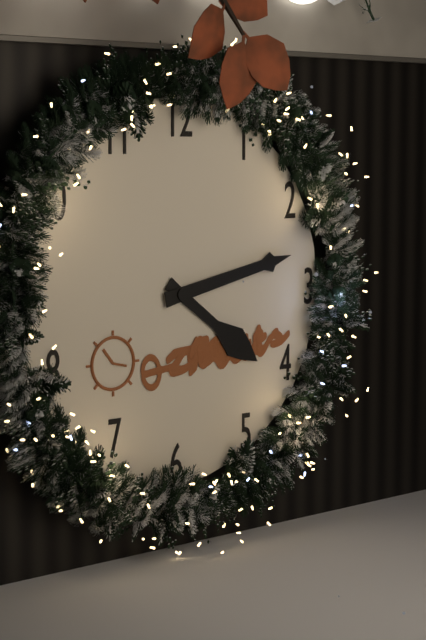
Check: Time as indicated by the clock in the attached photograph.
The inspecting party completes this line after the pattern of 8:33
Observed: 4:13
